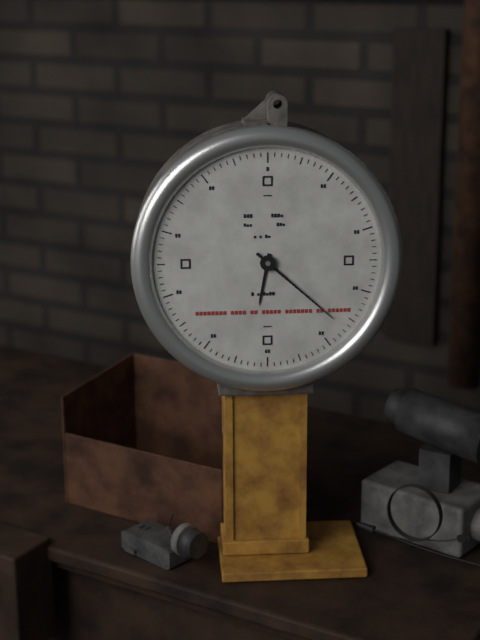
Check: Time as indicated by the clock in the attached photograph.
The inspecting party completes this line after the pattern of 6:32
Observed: 6:22
